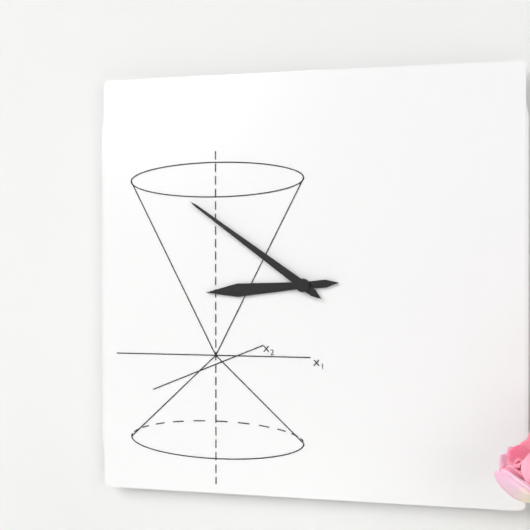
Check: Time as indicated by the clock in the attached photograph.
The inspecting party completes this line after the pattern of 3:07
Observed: 8:51
